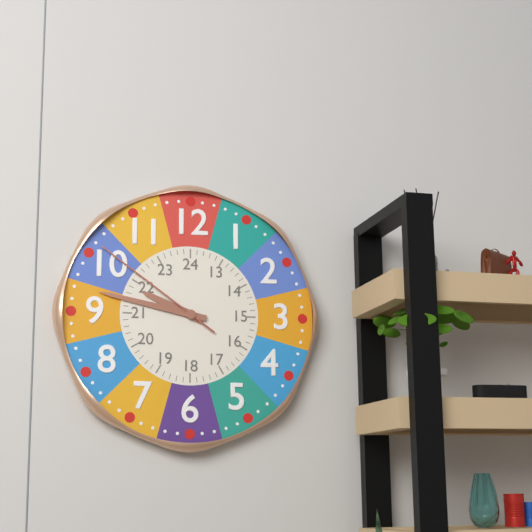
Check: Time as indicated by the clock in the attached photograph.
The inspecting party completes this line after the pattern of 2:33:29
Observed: 9:47:51
